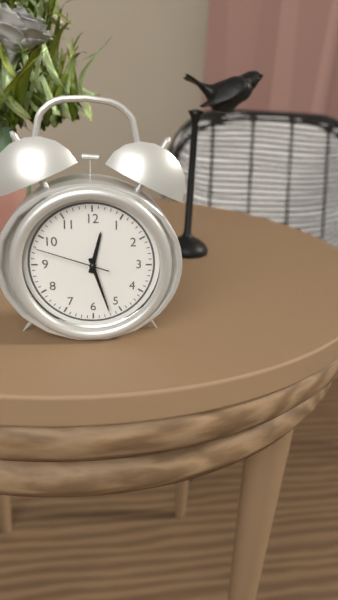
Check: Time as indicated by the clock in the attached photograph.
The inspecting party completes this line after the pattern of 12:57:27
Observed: 12:27:48
